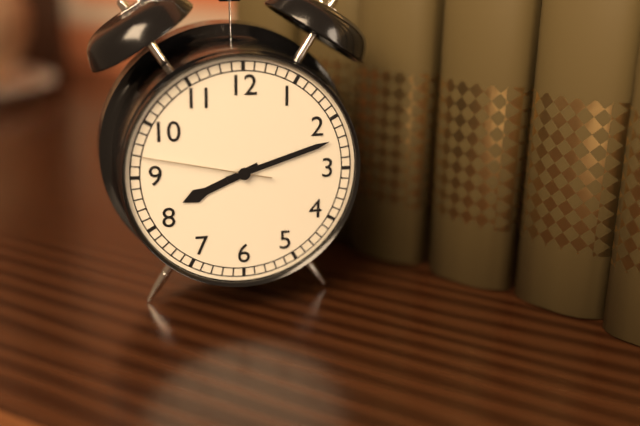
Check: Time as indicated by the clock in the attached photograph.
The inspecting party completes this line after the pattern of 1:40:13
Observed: 8:12:47
